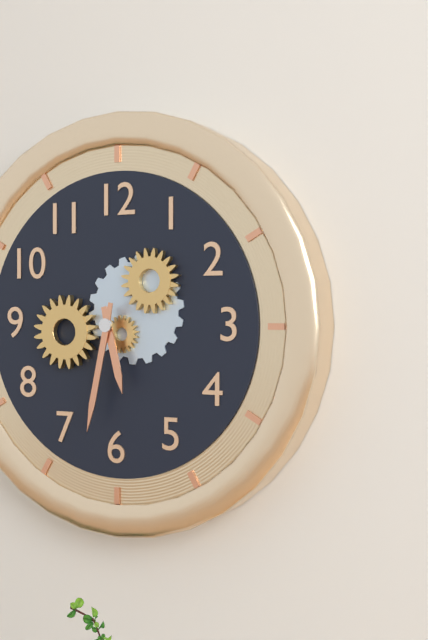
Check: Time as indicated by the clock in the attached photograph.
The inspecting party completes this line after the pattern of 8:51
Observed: 5:32
